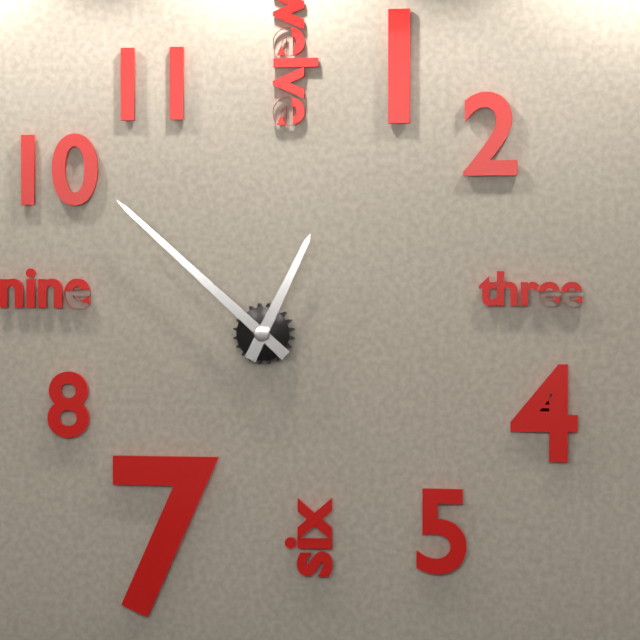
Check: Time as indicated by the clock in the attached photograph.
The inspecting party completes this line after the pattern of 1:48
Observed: 12:52
